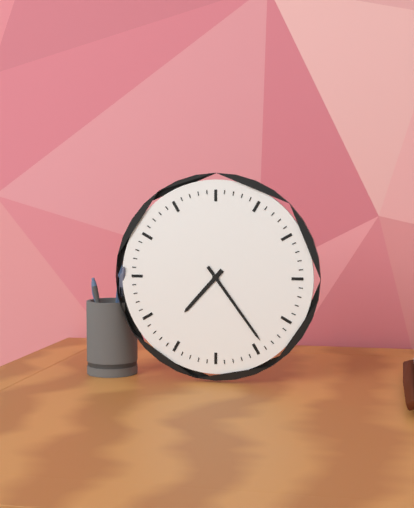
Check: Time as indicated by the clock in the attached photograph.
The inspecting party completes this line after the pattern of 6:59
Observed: 7:24
